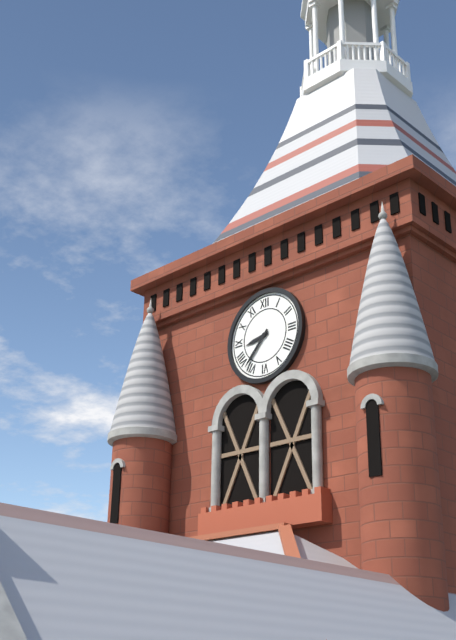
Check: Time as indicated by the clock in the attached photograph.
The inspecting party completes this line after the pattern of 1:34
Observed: 8:37
